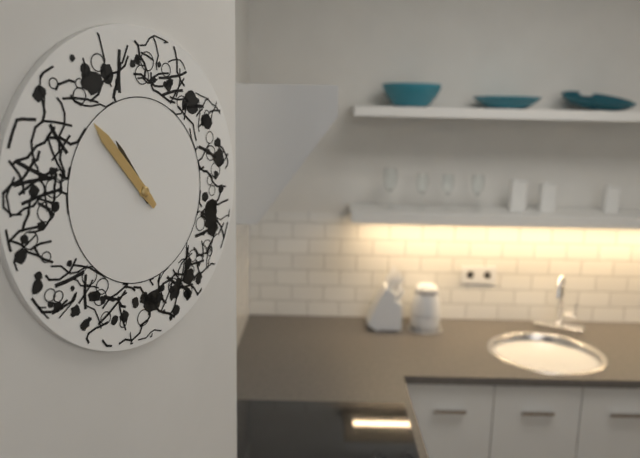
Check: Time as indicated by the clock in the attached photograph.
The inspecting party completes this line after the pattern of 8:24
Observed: 10:53
